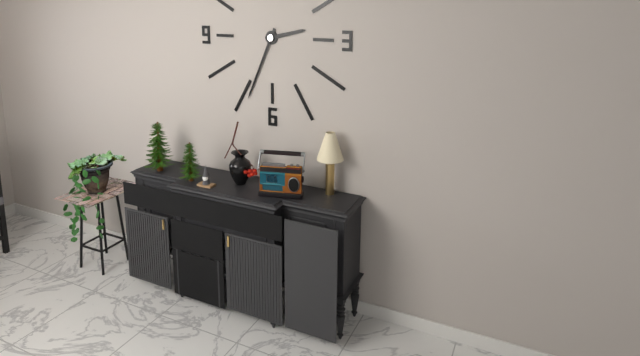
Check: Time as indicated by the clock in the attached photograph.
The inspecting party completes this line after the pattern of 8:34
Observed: 2:34
